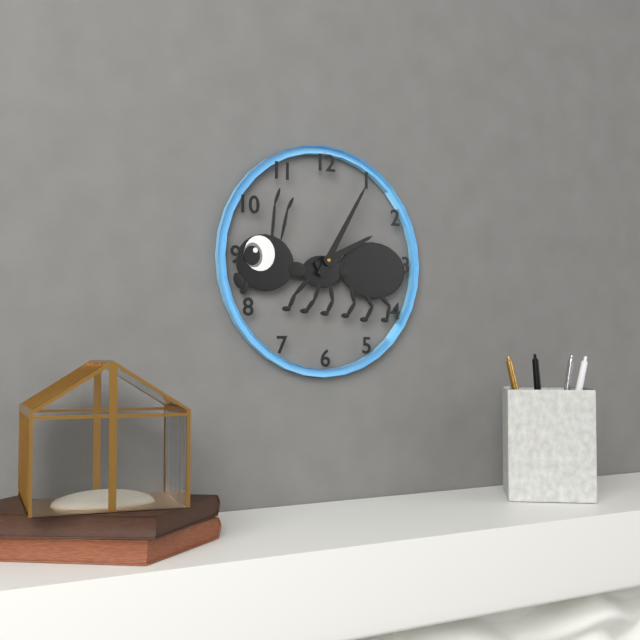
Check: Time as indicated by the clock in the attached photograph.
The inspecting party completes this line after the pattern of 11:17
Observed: 2:05
